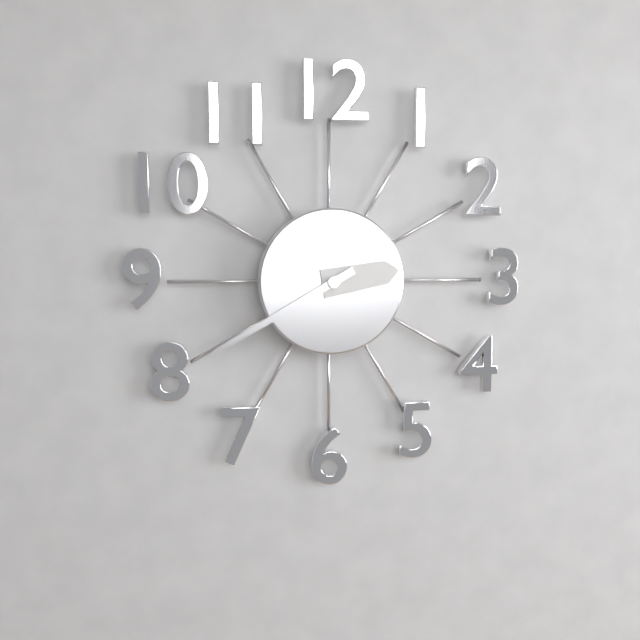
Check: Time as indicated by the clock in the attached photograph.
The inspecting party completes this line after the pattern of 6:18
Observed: 2:40
